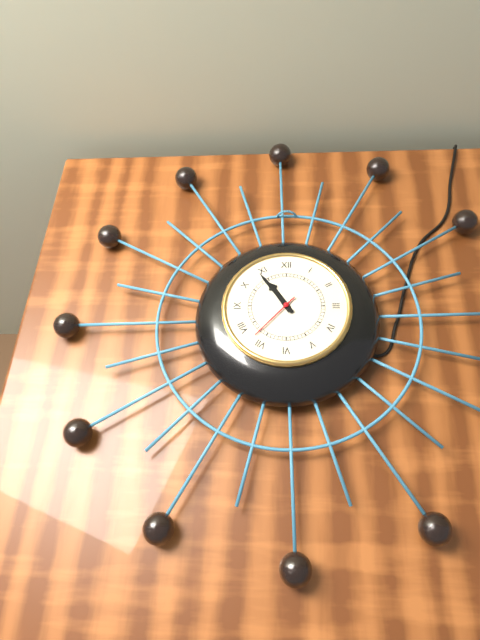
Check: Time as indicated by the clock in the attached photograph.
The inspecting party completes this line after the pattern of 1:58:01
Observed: 10:54:37
